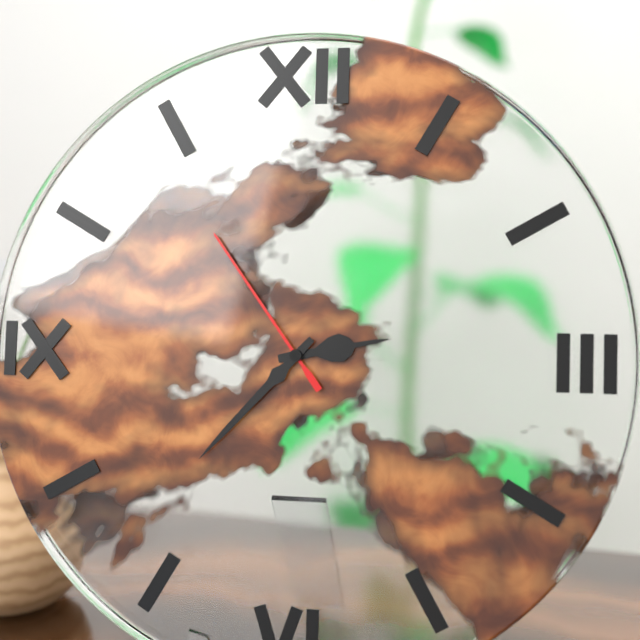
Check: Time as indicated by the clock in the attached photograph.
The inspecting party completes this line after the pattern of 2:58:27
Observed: 2:37:54
